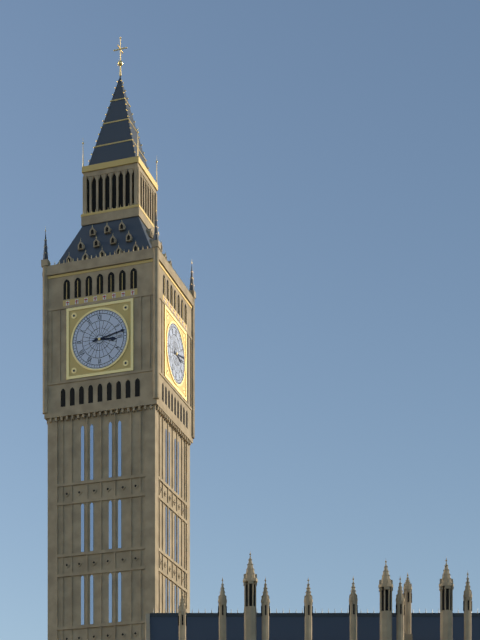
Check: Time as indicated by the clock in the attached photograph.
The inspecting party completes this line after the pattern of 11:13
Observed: 3:13
